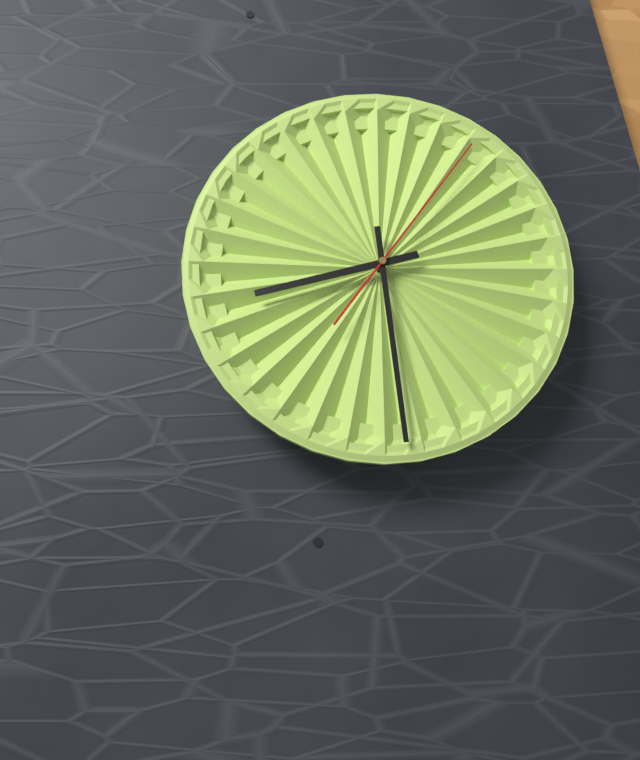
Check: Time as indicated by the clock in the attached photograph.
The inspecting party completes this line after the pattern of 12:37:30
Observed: 8:29:06
